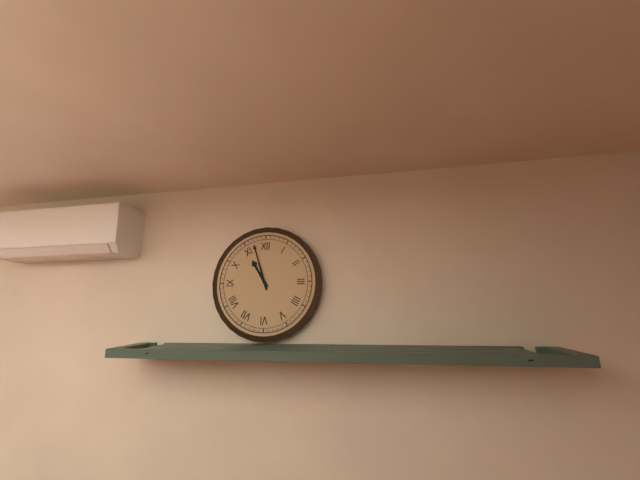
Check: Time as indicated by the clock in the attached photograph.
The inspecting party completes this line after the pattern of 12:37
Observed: 10:57
